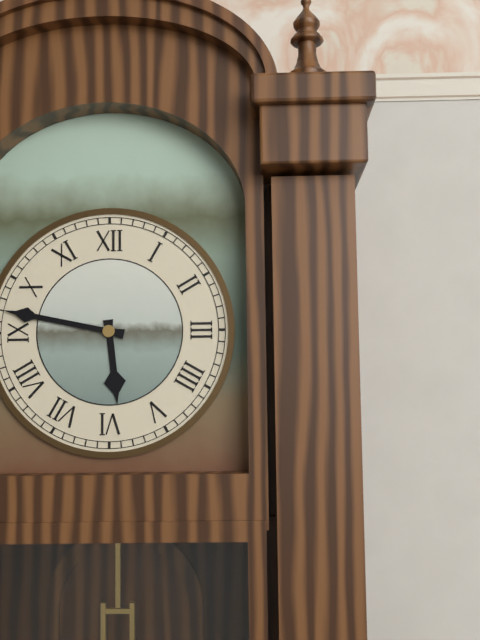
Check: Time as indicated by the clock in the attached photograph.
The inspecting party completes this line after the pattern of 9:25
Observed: 5:47
